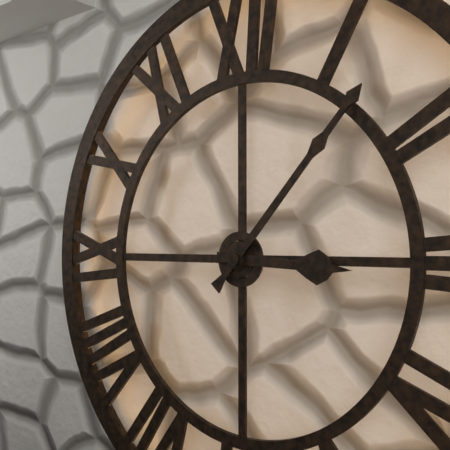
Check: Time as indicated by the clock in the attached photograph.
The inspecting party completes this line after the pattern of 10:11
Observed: 3:07
